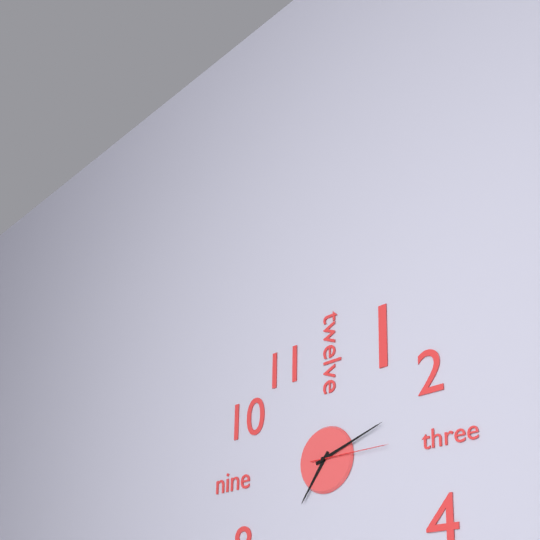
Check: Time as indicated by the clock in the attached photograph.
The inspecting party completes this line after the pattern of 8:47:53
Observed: 7:12:15
